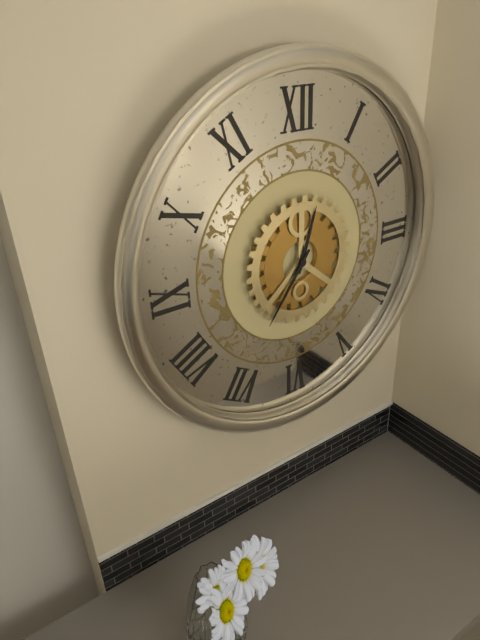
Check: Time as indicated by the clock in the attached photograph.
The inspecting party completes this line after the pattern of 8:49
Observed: 12:36
